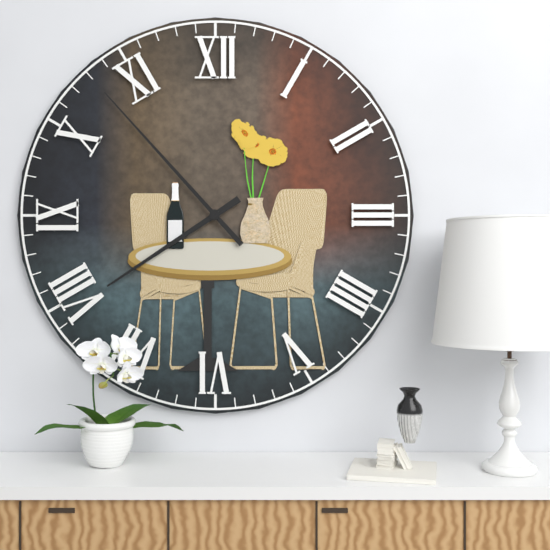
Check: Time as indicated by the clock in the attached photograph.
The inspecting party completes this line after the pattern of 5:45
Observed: 7:53
